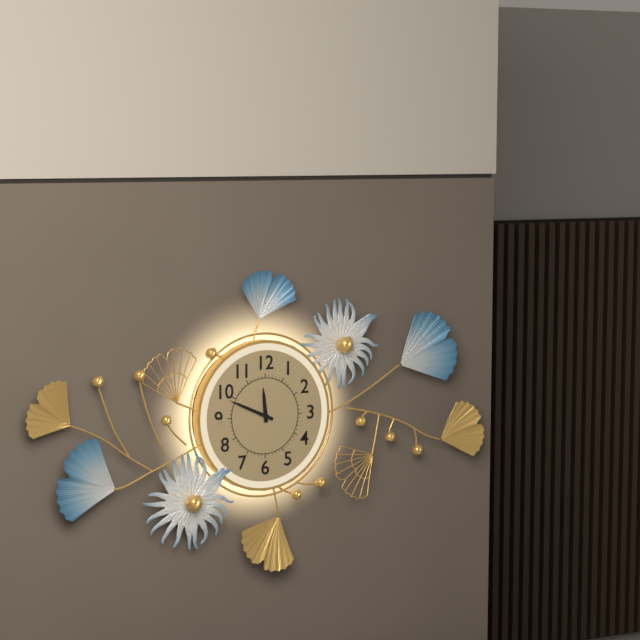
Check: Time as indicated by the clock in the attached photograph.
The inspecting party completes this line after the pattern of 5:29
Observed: 11:49
